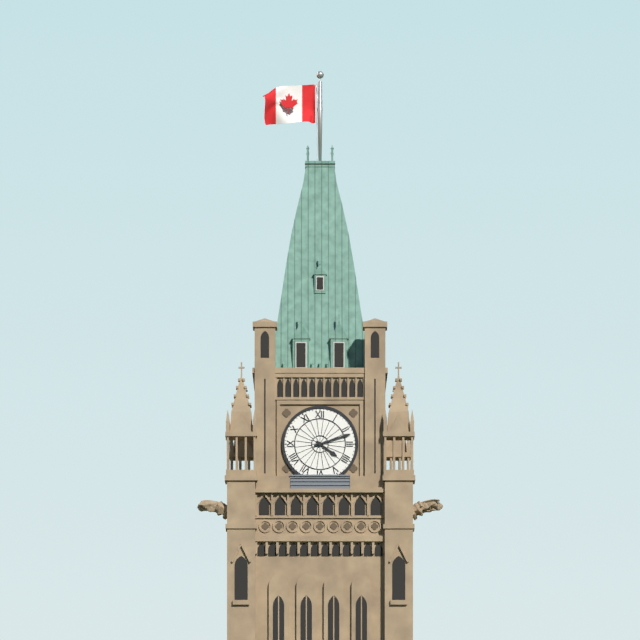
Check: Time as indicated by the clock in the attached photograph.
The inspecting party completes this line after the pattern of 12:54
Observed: 4:12
